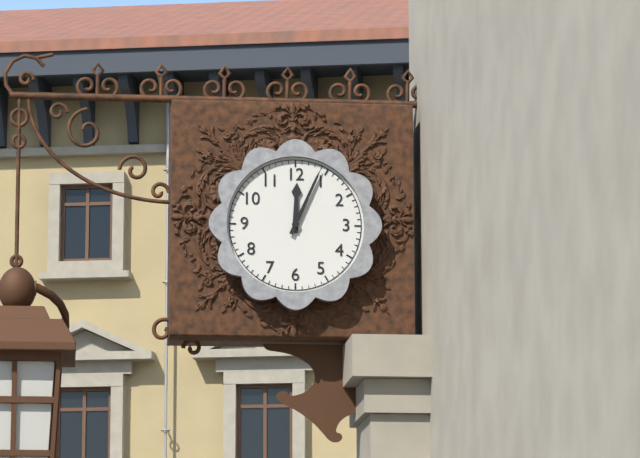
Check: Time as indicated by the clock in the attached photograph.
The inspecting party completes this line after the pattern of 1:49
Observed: 12:04
